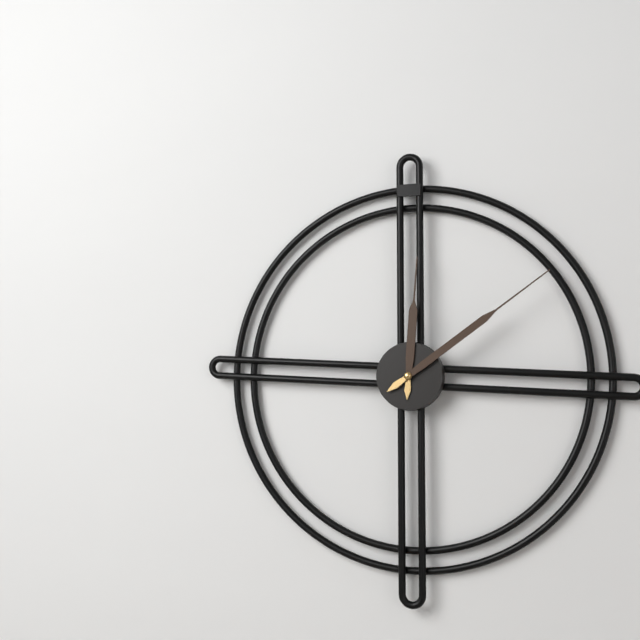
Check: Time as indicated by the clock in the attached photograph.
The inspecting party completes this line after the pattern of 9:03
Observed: 12:09
